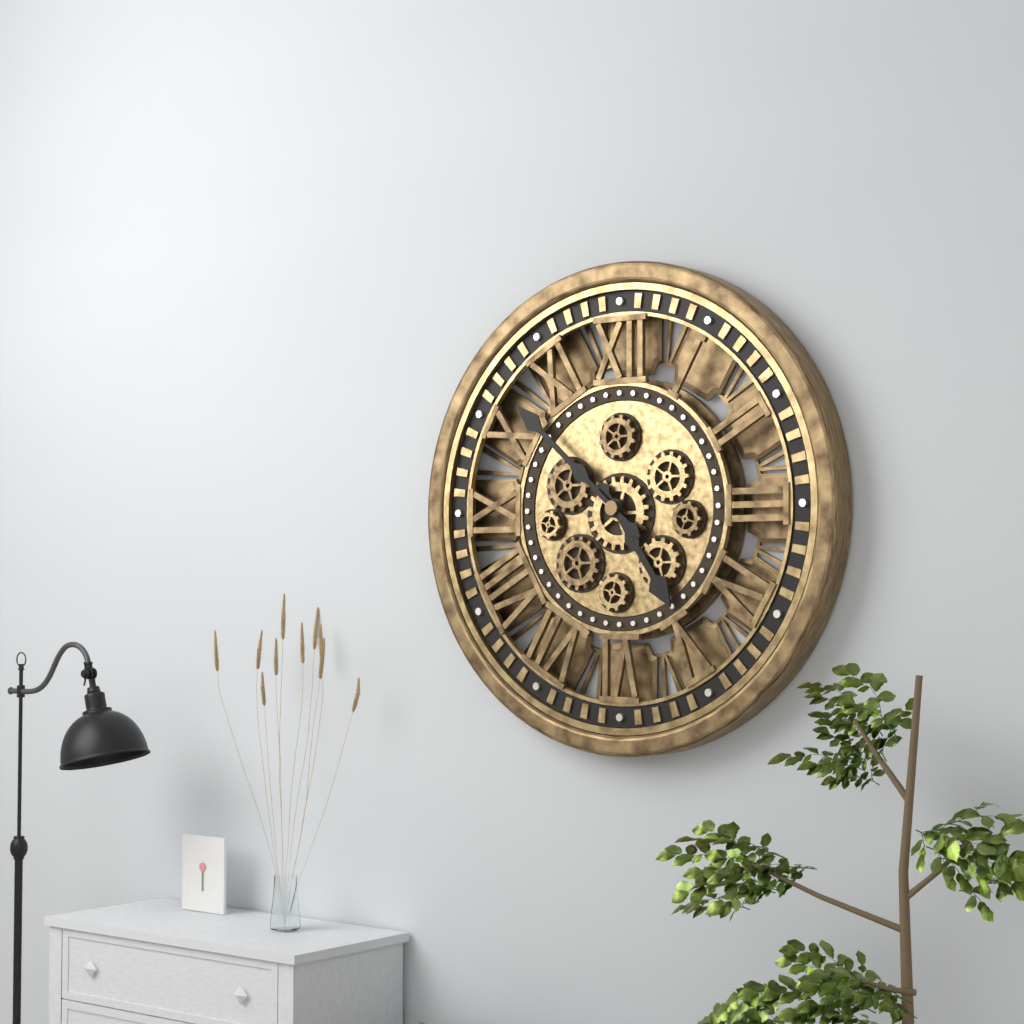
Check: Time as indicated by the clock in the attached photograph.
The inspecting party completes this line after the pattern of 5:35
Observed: 4:52
